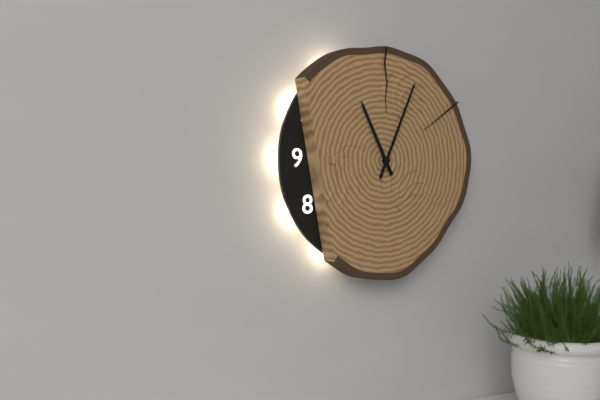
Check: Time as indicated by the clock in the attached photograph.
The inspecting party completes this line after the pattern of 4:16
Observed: 11:04
